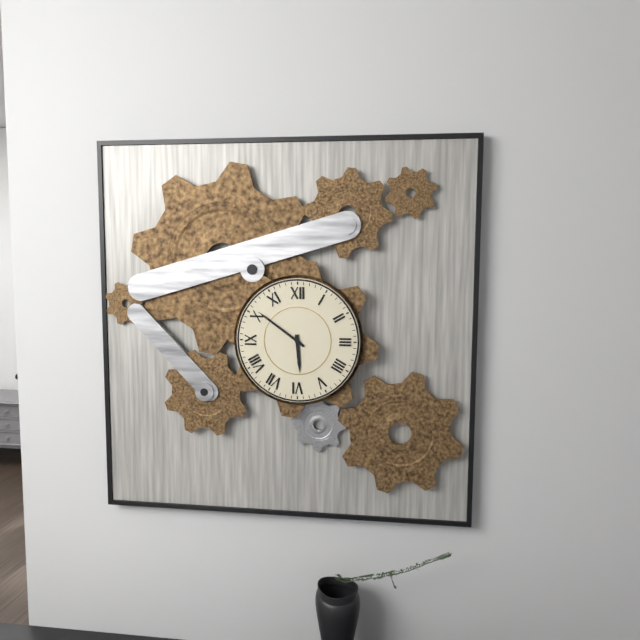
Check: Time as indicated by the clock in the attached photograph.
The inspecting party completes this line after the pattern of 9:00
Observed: 5:51
